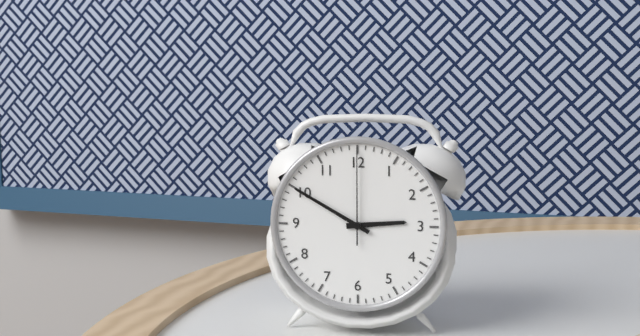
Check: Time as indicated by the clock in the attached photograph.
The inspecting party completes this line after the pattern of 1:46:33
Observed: 2:50:00
